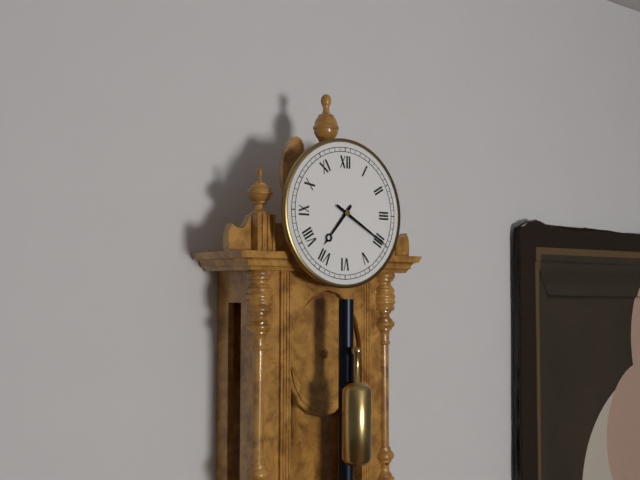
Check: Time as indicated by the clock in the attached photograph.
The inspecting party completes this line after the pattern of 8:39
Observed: 7:20
